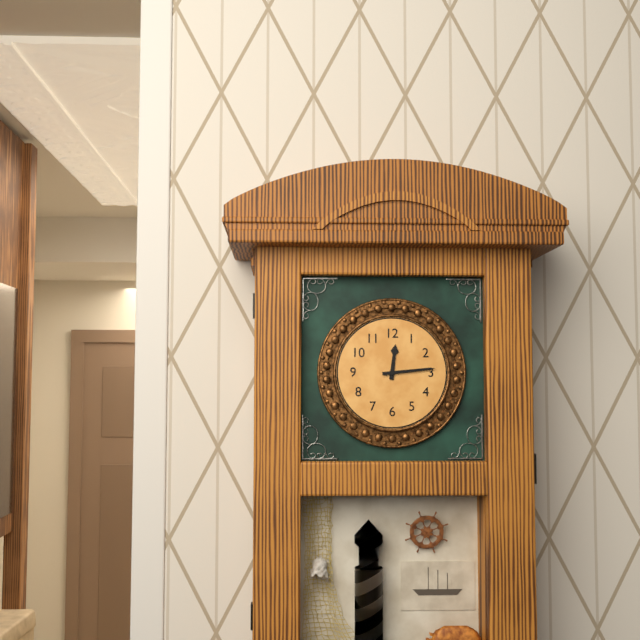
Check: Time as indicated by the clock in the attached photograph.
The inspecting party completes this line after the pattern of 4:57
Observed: 12:14
